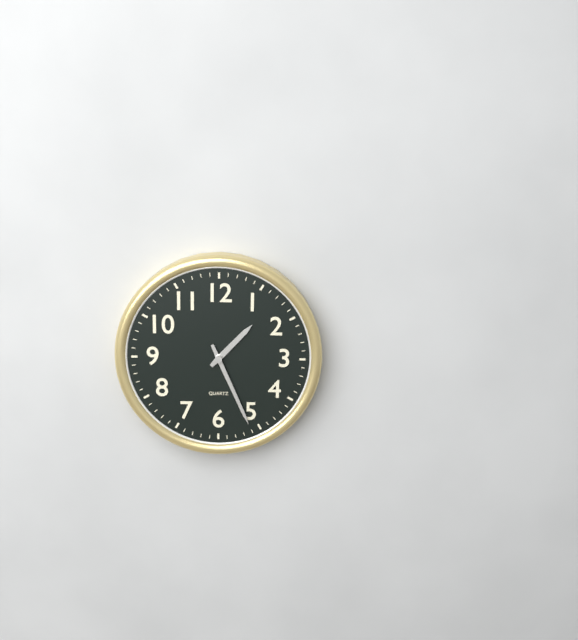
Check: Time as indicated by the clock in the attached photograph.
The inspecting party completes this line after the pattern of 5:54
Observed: 1:26
